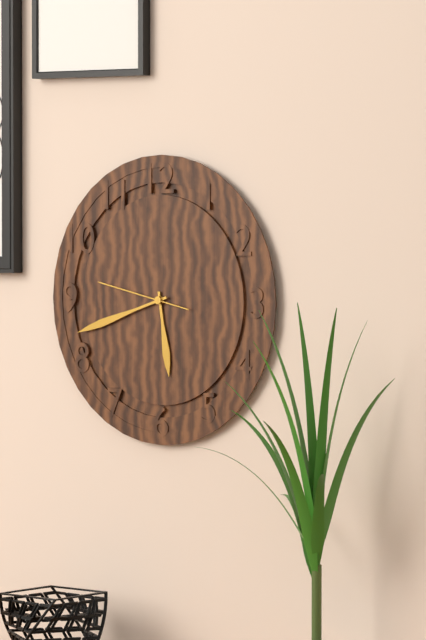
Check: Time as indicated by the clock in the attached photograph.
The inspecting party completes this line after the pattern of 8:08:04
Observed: 5:42:47
